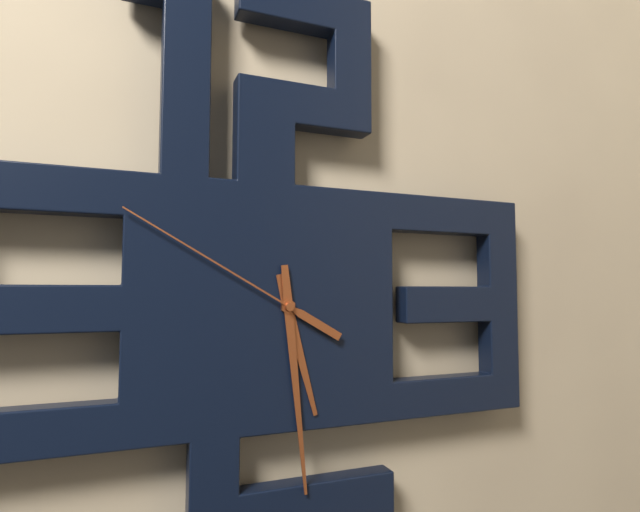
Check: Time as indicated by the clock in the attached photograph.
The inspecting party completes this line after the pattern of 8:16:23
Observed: 5:29:50
